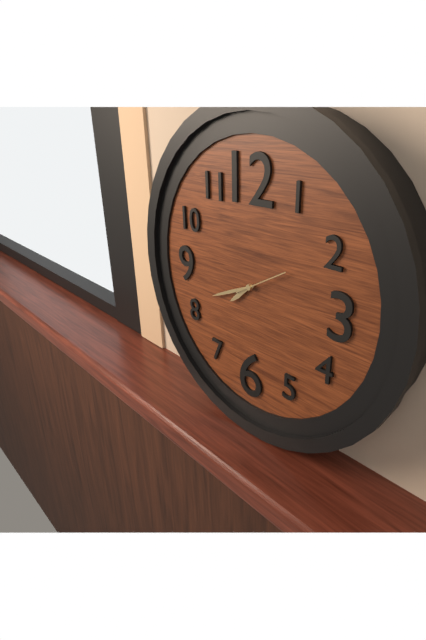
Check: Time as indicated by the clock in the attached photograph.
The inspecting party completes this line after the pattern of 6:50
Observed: 7:41
